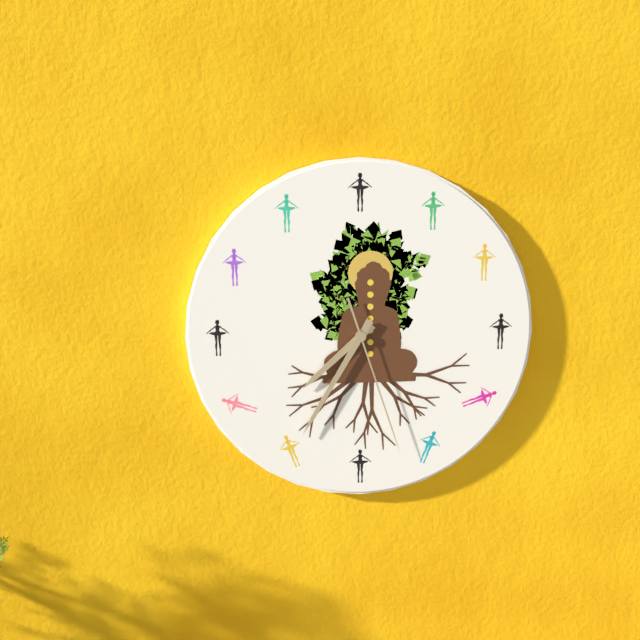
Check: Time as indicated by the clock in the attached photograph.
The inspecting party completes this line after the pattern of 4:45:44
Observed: 7:35:27
